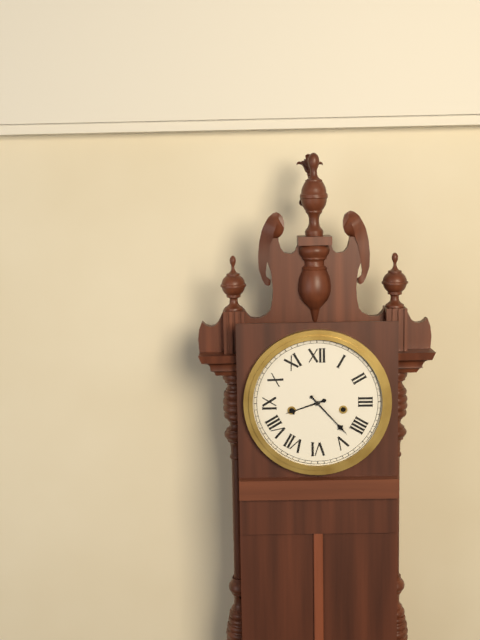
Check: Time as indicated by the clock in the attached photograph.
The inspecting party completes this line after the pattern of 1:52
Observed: 8:23
